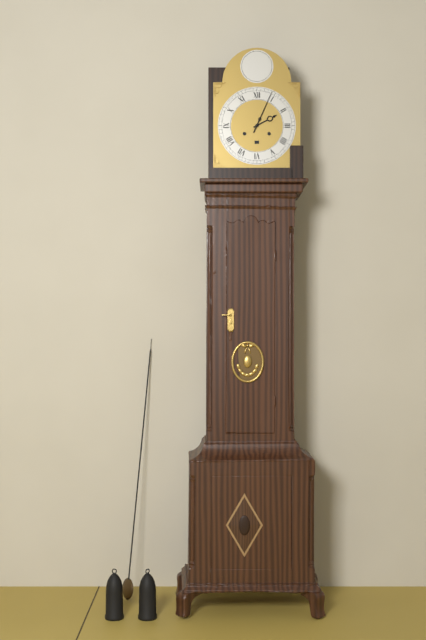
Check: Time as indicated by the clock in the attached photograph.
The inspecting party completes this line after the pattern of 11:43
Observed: 2:04
